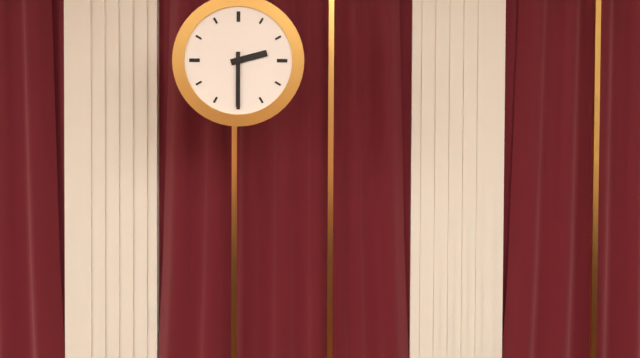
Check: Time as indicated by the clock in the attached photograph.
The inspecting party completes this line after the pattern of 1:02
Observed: 2:30
